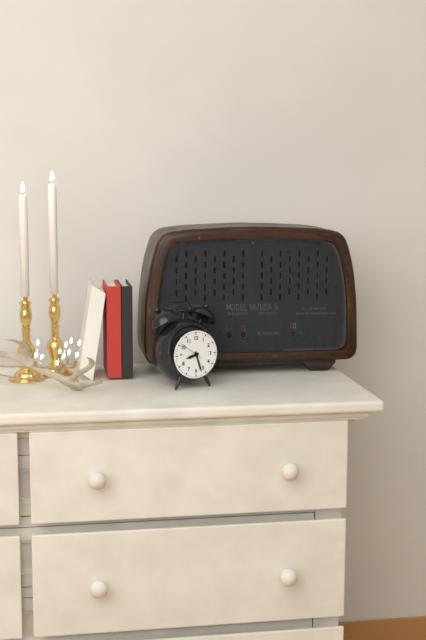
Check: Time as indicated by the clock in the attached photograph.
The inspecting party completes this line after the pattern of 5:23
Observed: 8:27
